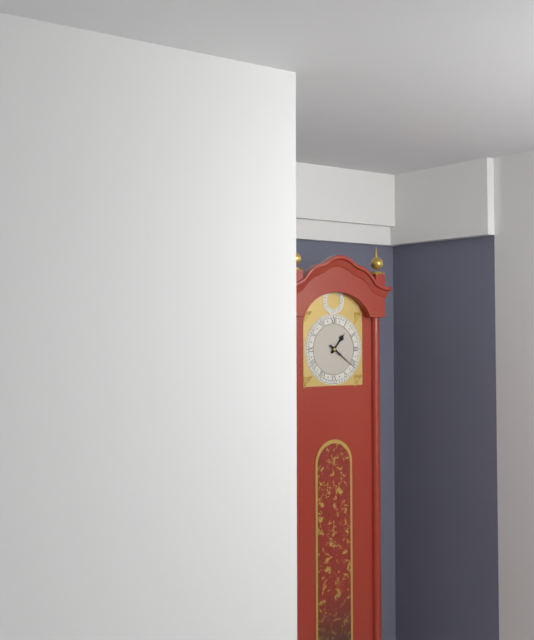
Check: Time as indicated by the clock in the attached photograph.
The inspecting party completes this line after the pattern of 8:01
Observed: 1:21
